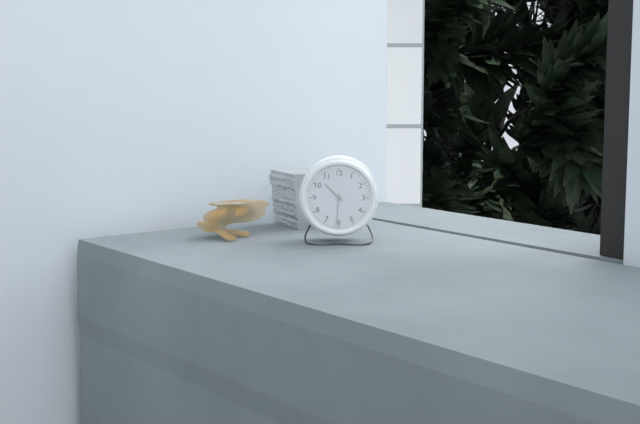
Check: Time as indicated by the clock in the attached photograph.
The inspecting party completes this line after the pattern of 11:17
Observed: 10:31
